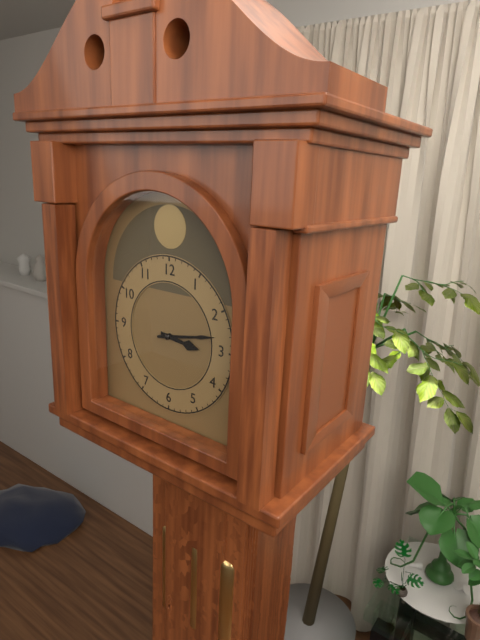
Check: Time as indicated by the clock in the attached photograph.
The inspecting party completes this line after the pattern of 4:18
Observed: 3:13
